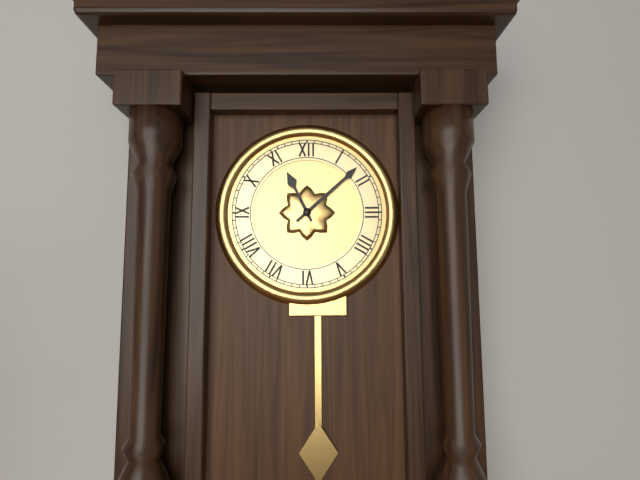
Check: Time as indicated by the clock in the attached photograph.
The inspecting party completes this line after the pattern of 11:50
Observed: 11:08
